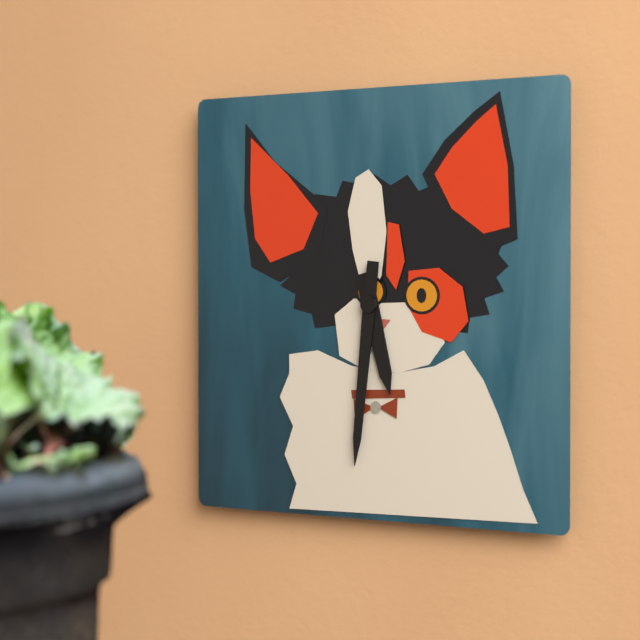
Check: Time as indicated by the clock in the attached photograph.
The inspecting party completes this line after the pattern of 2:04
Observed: 5:31
